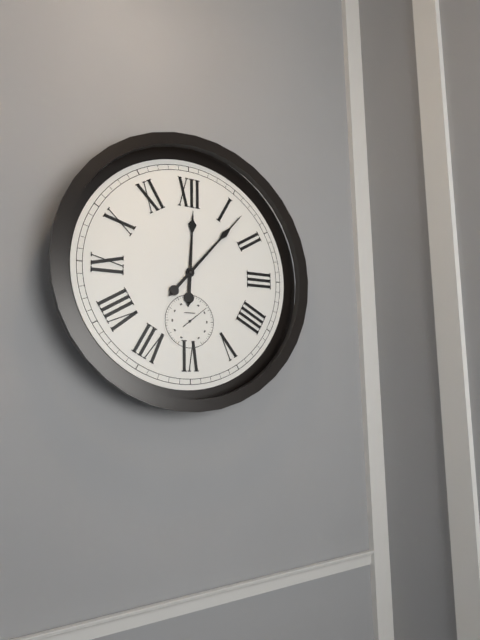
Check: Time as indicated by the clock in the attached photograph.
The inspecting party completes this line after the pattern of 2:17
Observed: 12:07
